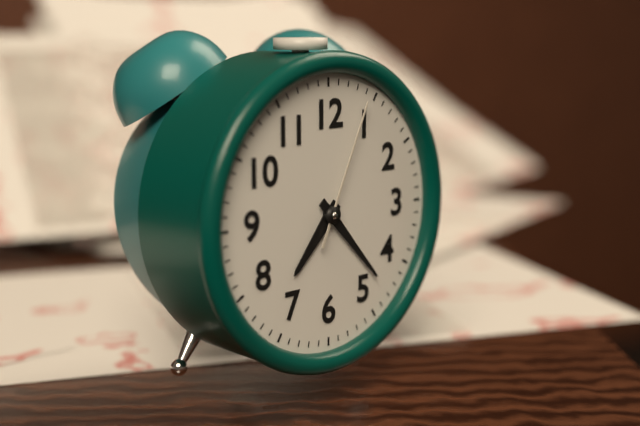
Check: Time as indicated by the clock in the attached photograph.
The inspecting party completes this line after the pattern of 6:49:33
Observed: 7:23:04
